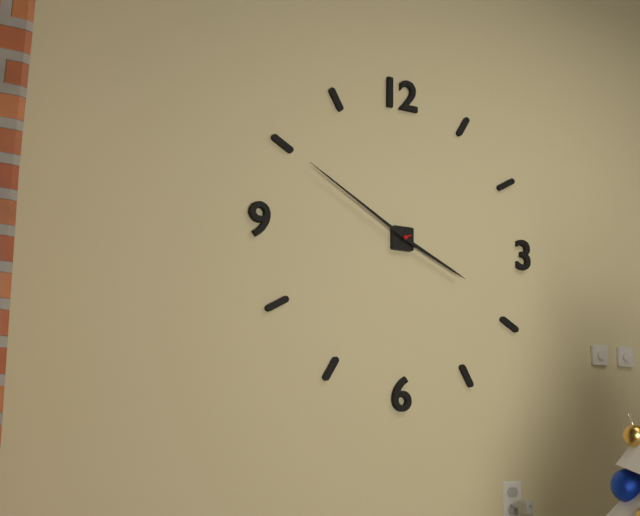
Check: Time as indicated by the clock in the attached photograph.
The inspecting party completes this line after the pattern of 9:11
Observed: 3:50
